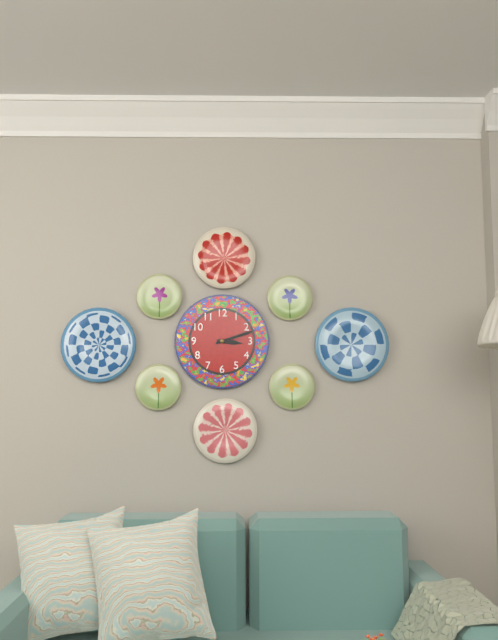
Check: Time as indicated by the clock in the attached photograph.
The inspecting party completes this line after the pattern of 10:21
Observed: 3:12
